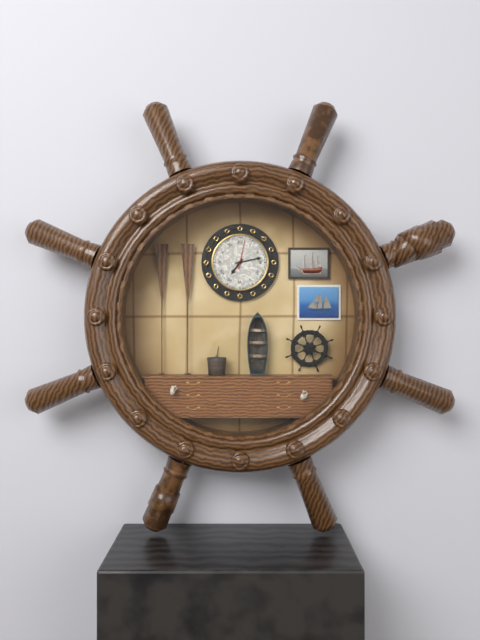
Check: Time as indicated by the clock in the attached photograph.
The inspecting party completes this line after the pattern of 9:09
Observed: 7:13
